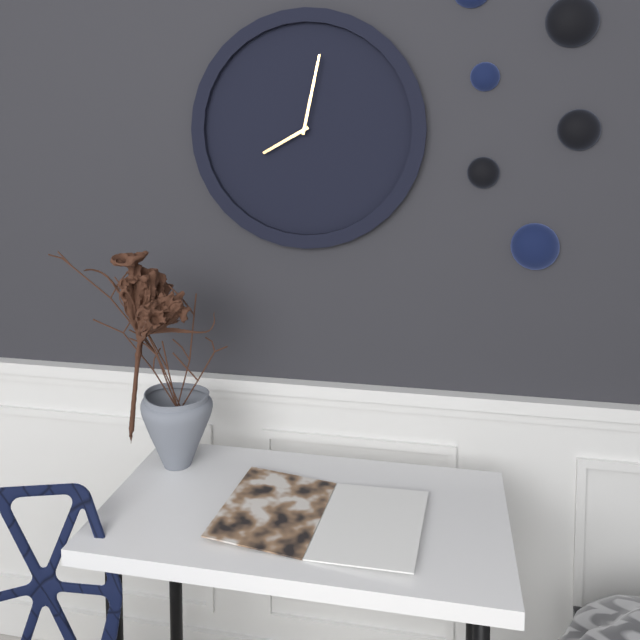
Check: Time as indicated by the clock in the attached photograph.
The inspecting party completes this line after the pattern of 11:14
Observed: 8:02
